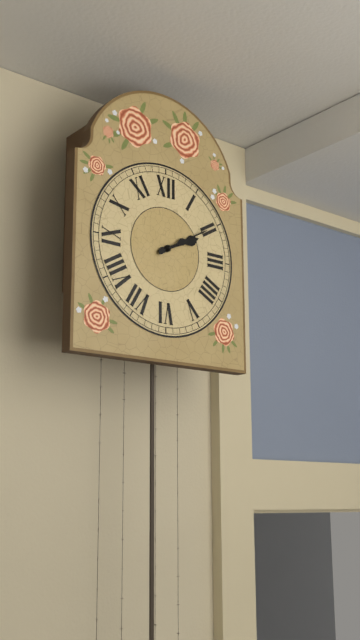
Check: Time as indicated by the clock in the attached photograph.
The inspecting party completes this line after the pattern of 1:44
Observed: 2:10
